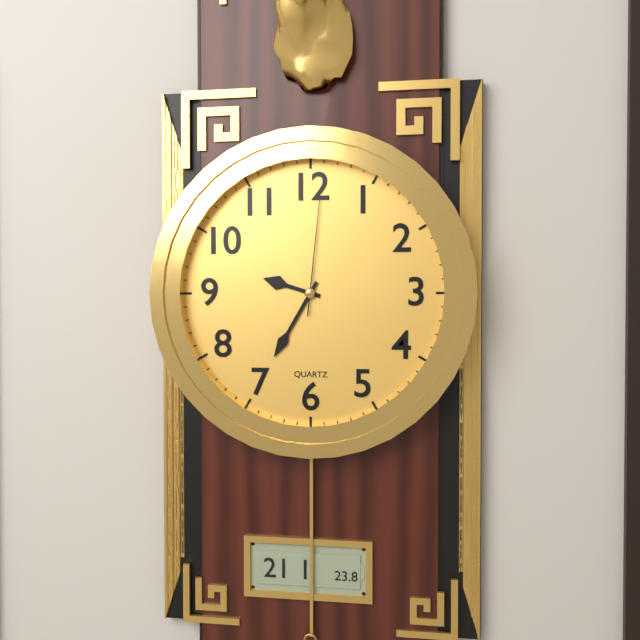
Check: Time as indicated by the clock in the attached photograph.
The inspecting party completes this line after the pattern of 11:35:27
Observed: 9:35:01
